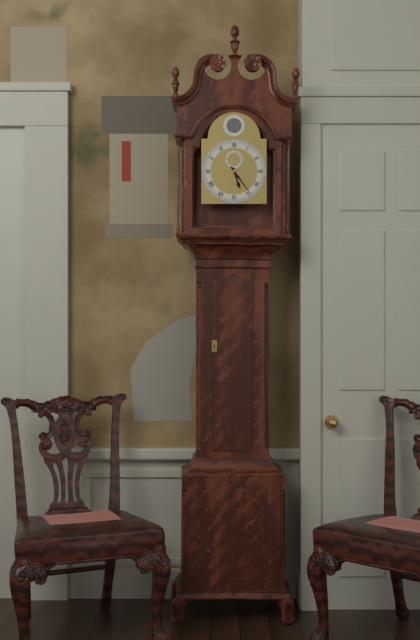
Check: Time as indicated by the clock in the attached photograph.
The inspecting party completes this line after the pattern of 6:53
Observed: 5:24
